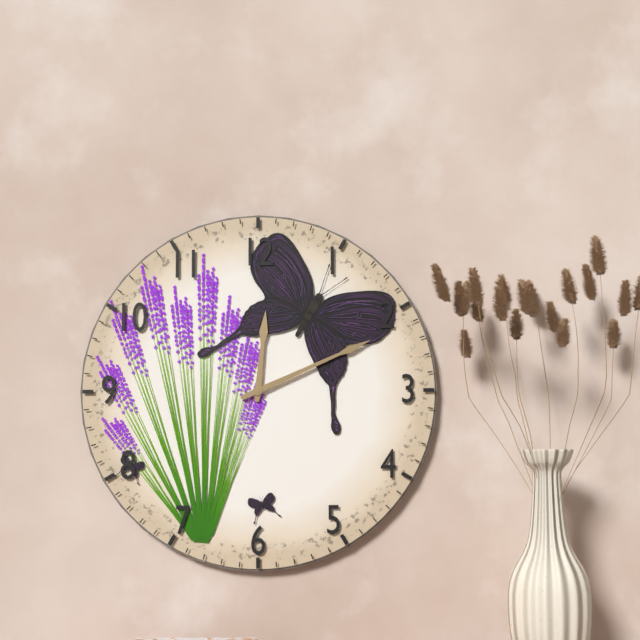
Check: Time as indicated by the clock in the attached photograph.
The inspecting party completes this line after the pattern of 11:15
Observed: 12:11
